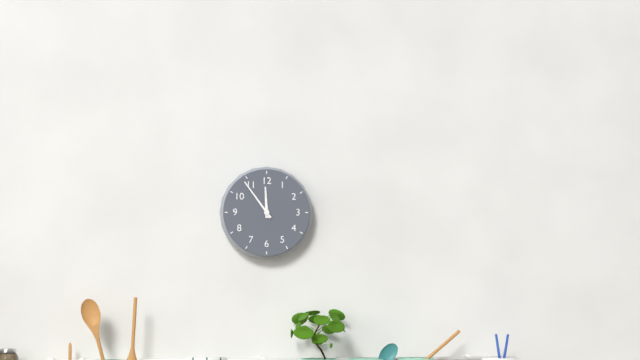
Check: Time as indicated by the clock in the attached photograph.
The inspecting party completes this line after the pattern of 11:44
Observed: 11:54
